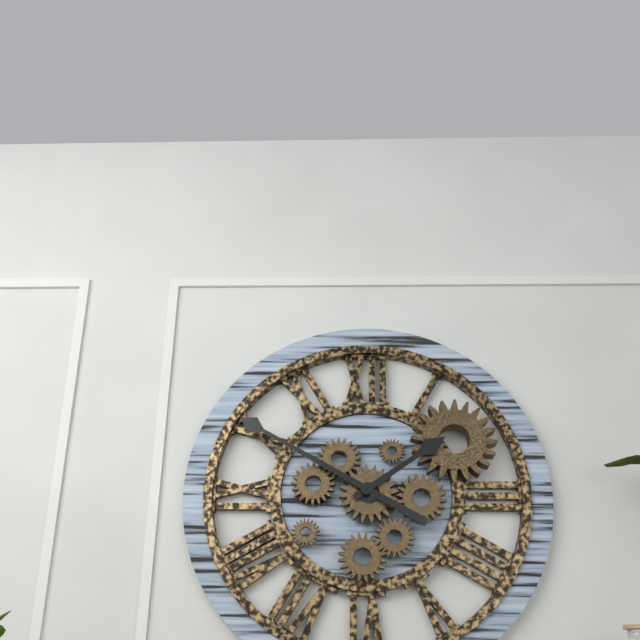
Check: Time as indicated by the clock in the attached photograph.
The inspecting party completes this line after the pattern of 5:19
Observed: 1:50
